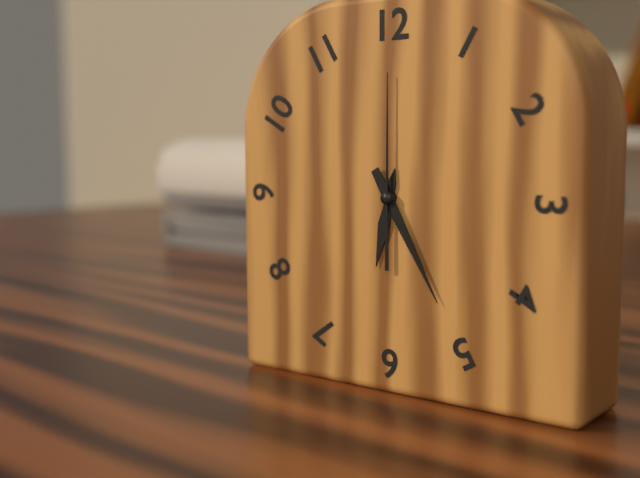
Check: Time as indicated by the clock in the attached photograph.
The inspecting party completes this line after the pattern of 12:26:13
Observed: 6:25:00
